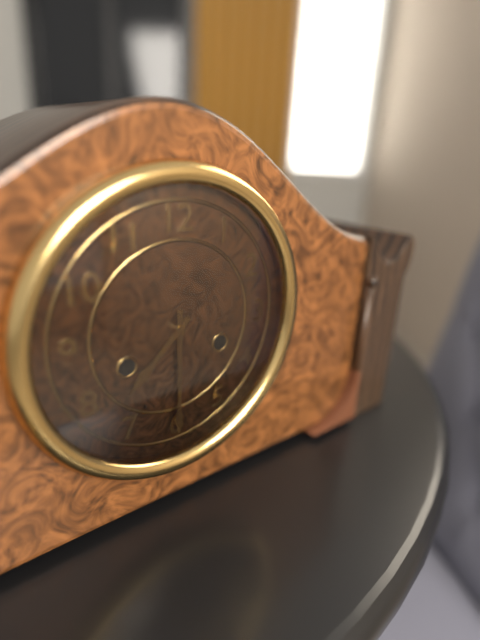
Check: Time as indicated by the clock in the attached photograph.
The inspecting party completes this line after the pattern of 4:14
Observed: 7:30
